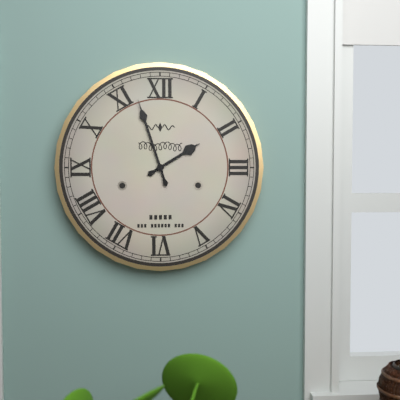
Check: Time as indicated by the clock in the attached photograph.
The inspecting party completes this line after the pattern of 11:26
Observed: 1:57
